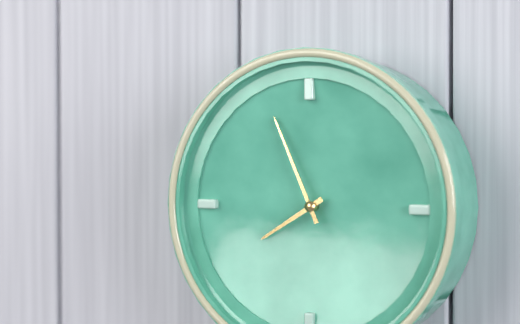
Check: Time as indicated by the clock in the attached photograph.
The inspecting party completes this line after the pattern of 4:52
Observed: 7:56
